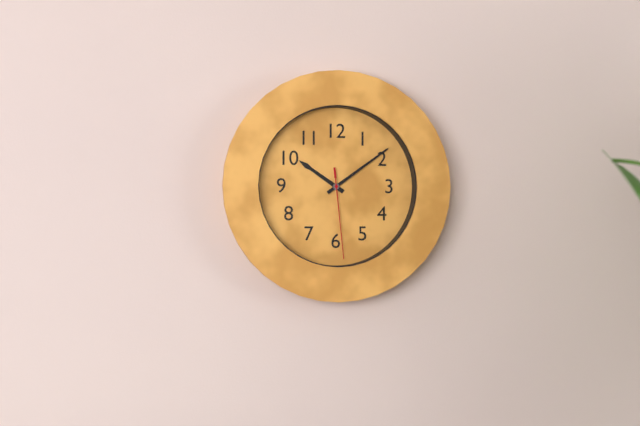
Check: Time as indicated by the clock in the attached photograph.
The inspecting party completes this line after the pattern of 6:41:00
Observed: 10:09:29
